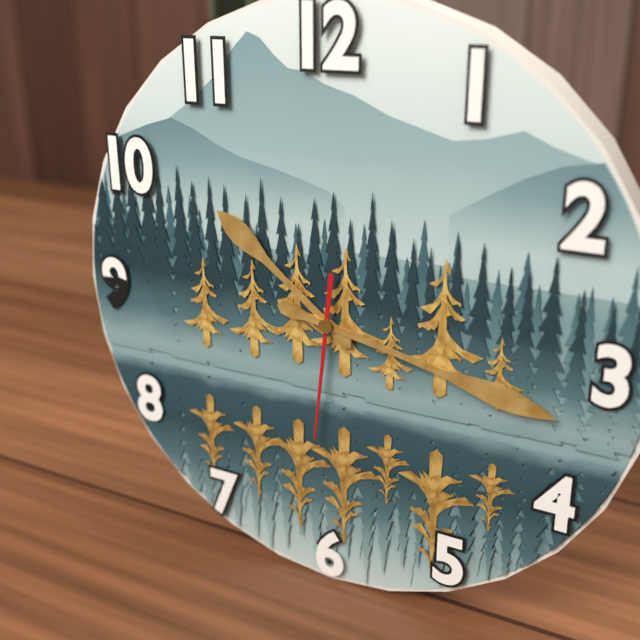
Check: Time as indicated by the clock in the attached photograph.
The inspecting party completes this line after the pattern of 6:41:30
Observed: 10:17:31
